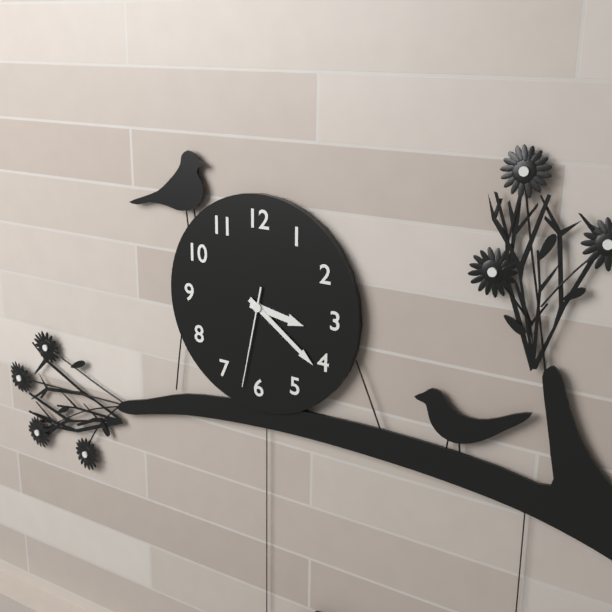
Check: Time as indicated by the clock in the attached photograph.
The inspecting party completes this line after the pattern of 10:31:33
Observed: 3:21:32
